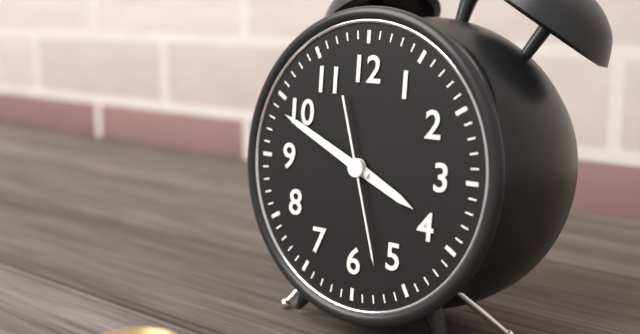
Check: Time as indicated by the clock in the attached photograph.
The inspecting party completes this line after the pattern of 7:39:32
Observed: 3:49:27
